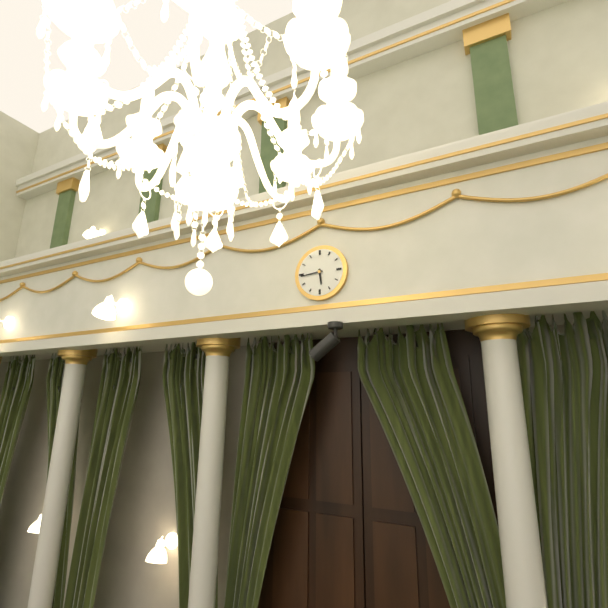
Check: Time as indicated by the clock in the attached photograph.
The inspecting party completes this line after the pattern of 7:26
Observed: 5:44
